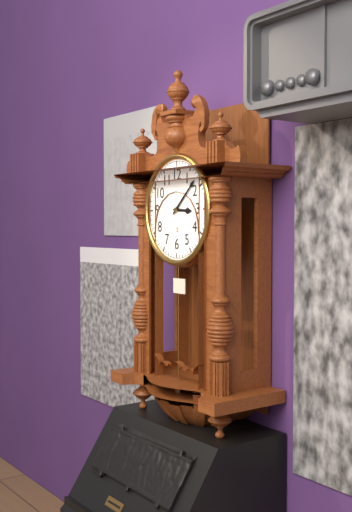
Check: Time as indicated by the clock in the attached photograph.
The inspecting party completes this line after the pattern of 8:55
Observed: 3:08
